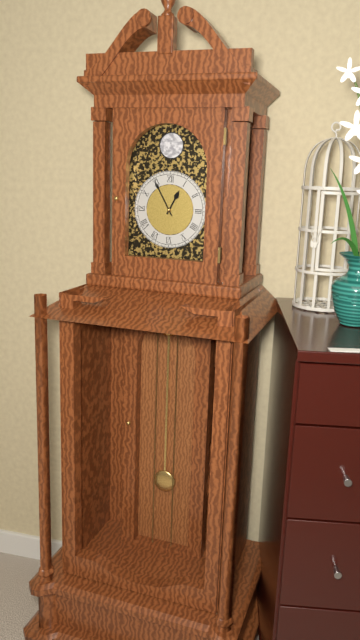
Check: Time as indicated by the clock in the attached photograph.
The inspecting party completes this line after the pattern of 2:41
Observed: 12:55
